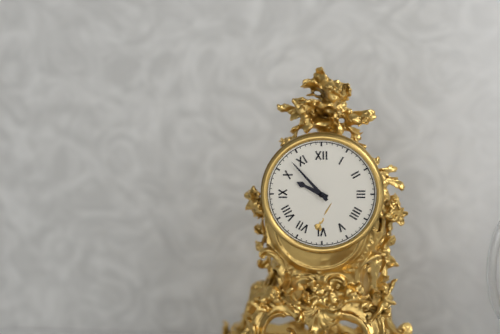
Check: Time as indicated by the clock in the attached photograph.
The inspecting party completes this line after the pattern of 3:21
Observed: 9:53
